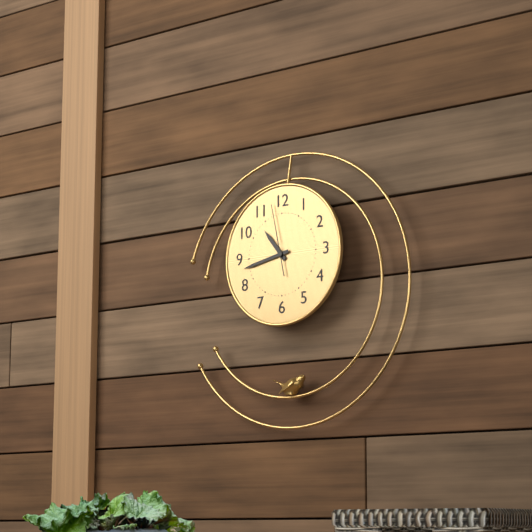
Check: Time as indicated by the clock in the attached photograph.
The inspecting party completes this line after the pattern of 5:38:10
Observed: 10:43:58
